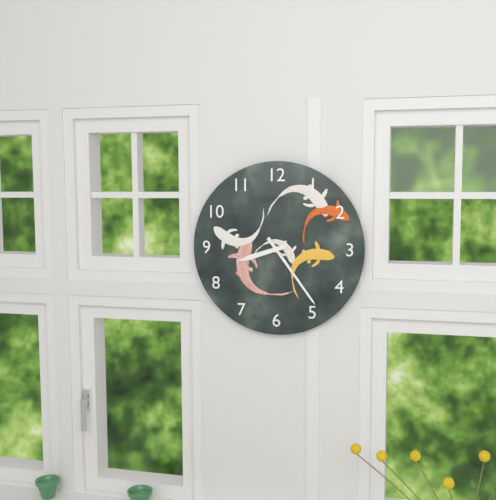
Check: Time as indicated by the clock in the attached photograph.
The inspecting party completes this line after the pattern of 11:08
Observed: 8:24
